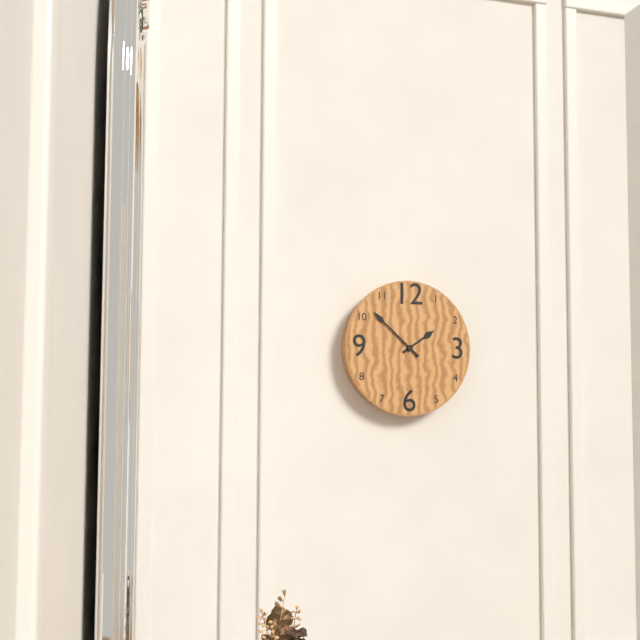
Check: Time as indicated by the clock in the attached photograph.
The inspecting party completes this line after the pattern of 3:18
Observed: 1:52
